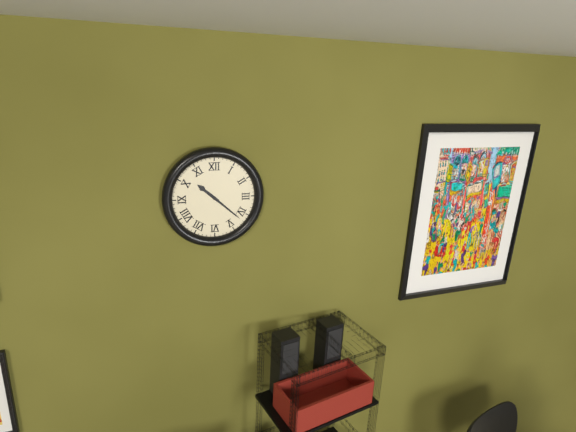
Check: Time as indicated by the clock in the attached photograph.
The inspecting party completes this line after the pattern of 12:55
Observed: 10:22
